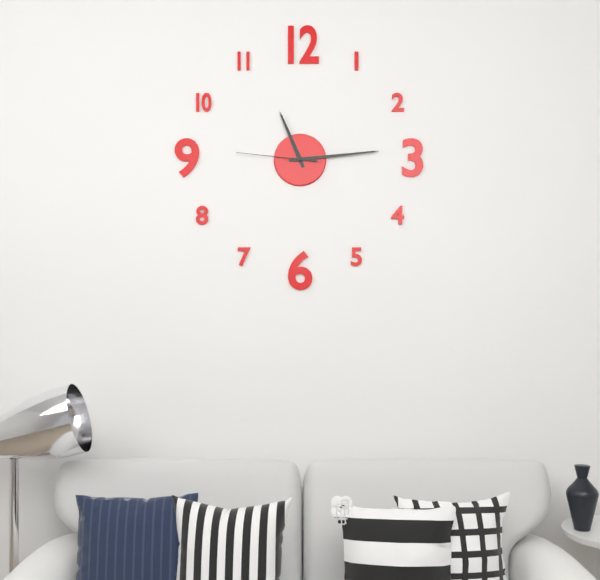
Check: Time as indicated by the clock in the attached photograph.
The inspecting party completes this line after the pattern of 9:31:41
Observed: 11:14:46
